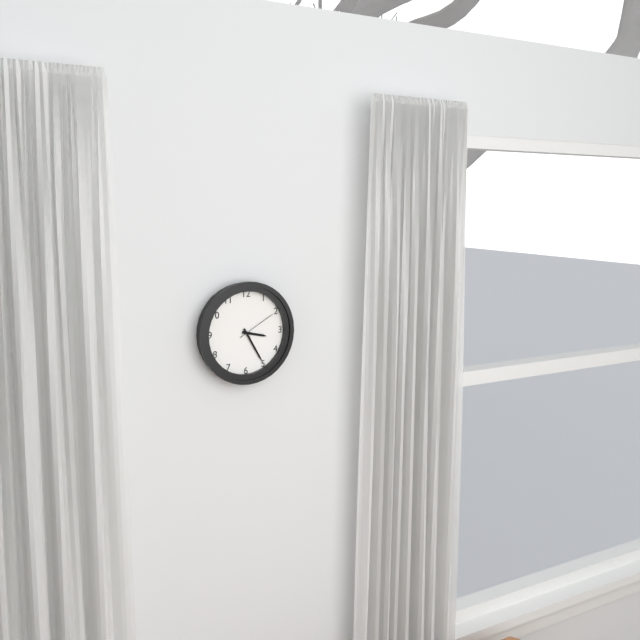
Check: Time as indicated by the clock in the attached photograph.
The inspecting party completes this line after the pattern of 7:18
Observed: 3:25
